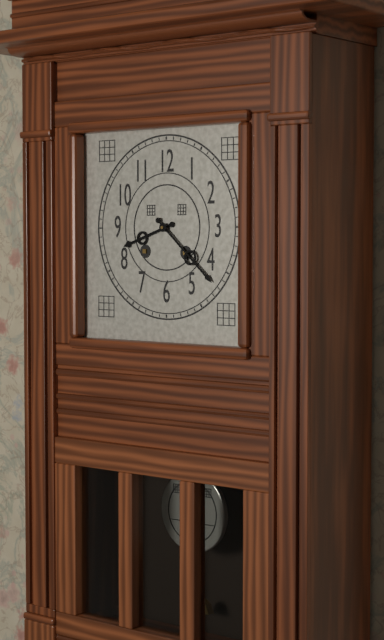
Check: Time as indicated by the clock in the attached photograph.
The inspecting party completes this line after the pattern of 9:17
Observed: 8:22
